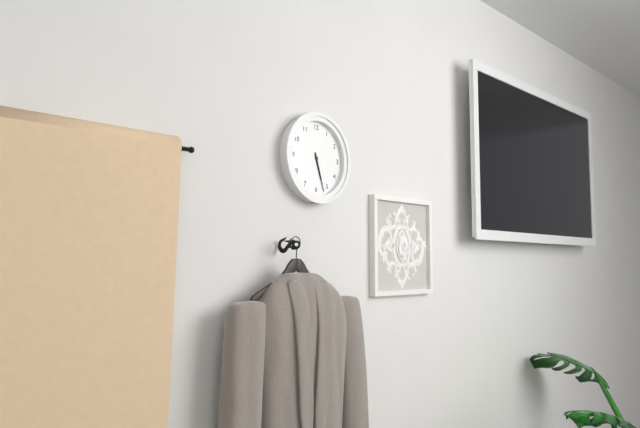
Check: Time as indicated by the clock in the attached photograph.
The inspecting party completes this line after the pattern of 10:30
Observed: 5:27
